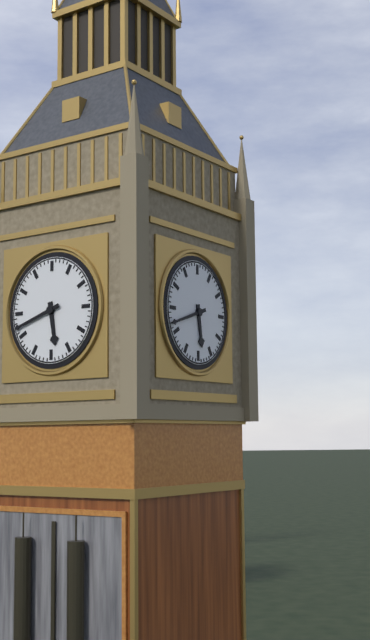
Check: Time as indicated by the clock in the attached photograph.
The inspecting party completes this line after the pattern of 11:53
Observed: 5:42
